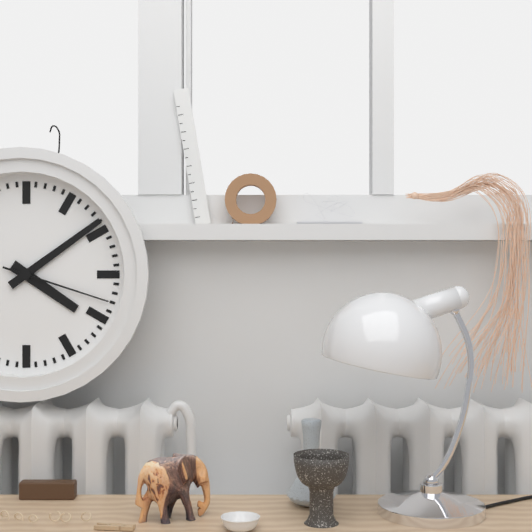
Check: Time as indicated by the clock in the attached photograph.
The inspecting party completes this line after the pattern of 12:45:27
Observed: 4:09:18
